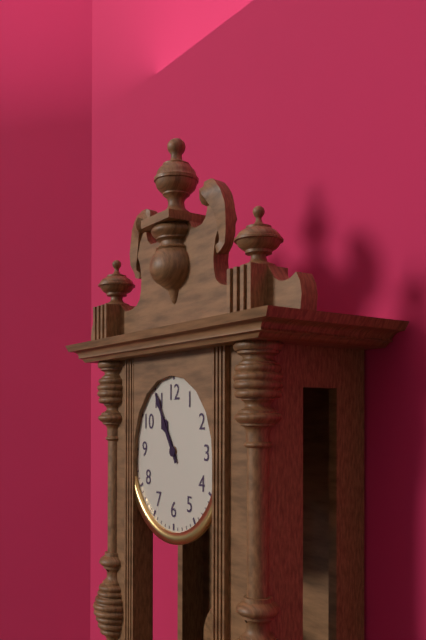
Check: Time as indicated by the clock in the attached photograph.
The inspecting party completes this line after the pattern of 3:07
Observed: 10:55
